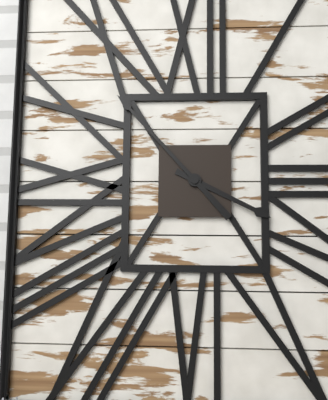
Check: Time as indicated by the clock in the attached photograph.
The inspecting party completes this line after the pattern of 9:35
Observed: 3:53
